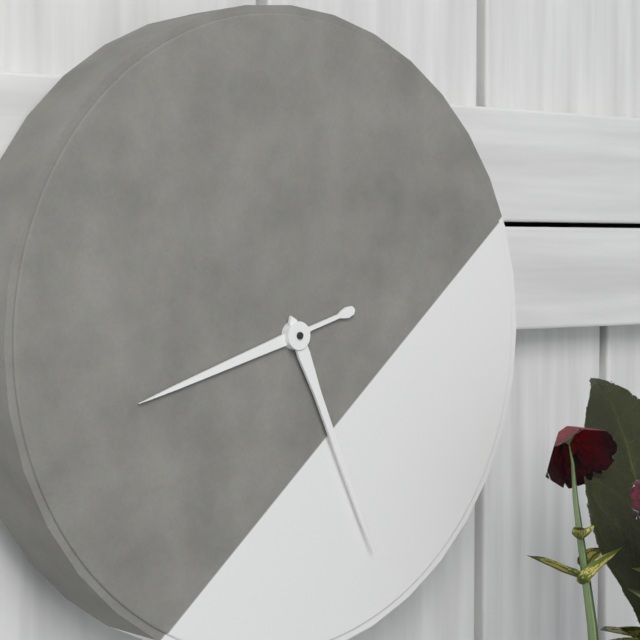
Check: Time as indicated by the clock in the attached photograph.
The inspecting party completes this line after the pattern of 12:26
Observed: 8:26
